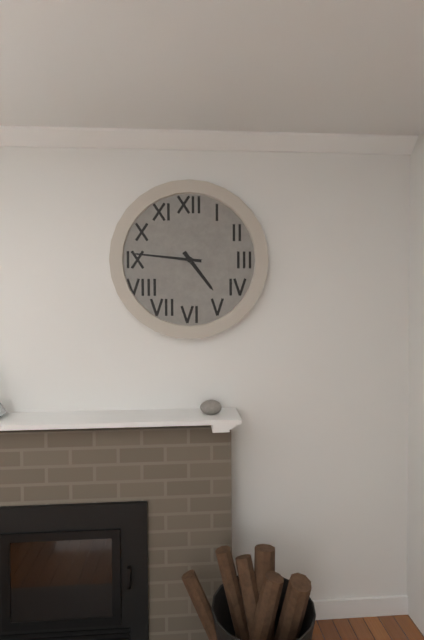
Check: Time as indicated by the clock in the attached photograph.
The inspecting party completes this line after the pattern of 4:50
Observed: 4:46
